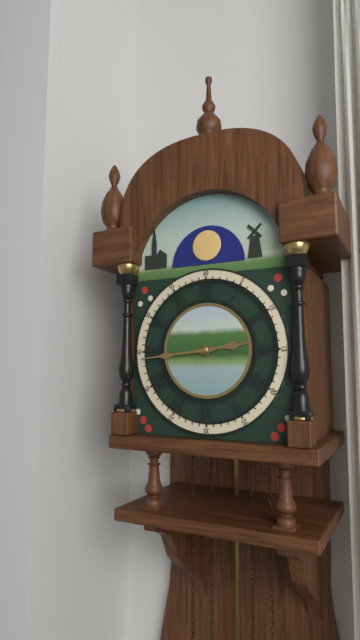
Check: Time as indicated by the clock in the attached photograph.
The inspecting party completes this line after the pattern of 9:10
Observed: 2:44
